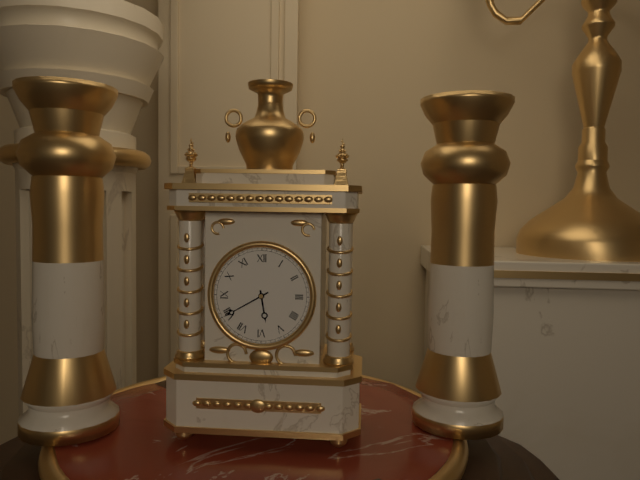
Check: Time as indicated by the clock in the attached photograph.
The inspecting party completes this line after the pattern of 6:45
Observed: 5:40
